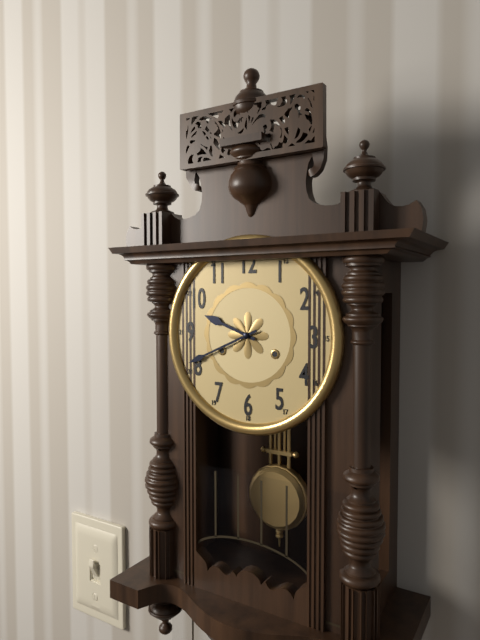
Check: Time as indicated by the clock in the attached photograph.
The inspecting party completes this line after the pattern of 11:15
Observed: 9:41
